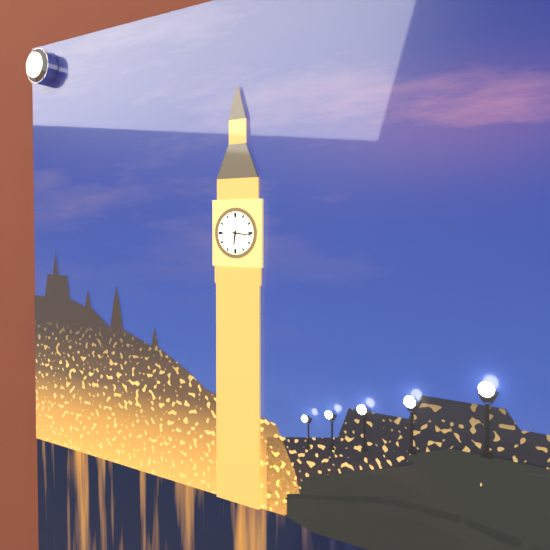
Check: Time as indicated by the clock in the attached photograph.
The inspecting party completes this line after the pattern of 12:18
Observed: 6:16
